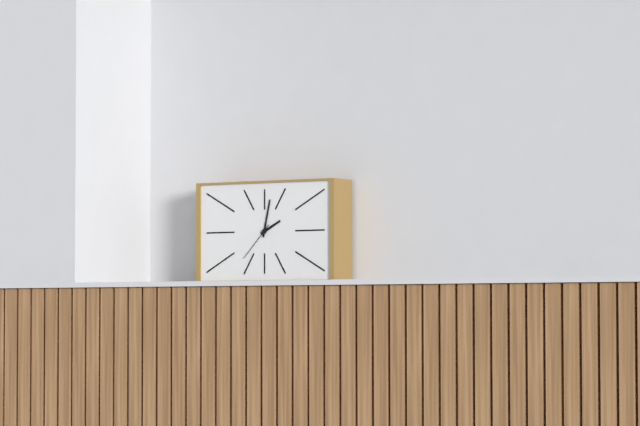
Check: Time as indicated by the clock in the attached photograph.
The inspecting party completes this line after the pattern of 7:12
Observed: 2:02
